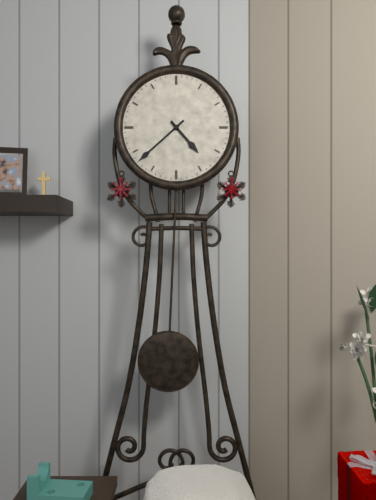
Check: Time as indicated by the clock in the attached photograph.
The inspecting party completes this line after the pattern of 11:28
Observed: 4:38
